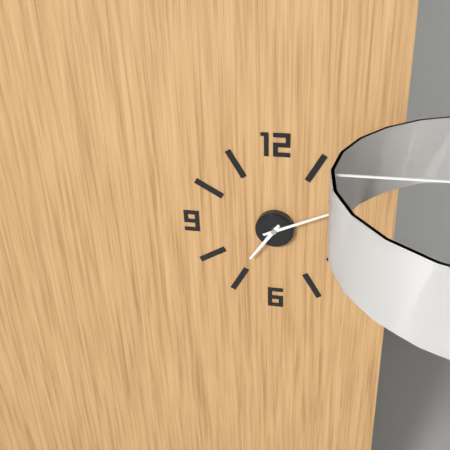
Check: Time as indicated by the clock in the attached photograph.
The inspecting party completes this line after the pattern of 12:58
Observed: 7:11
